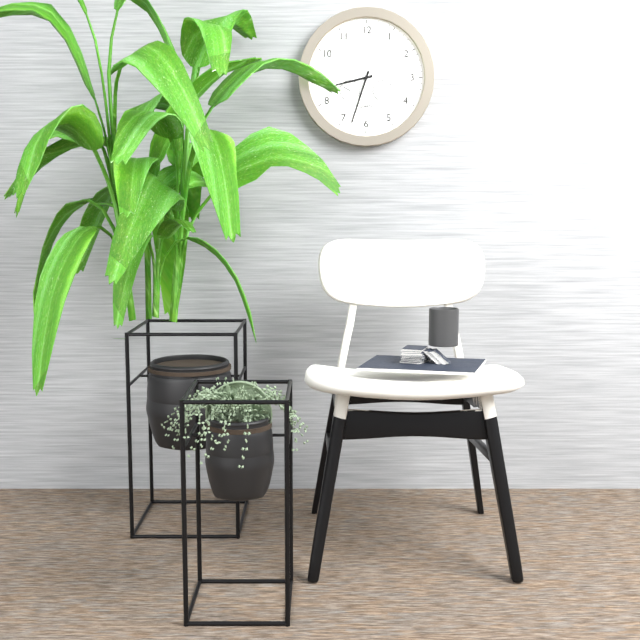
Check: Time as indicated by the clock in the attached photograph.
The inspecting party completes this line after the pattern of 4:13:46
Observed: 8:33:25
